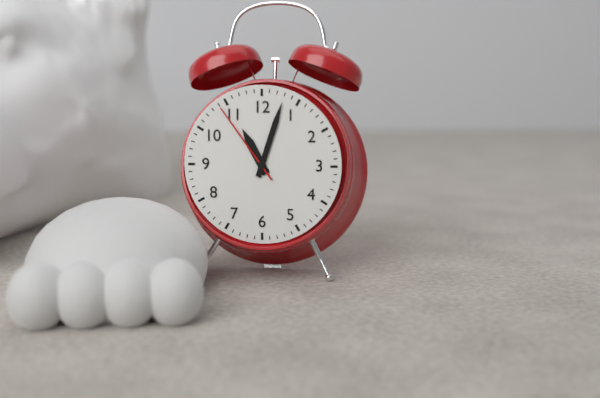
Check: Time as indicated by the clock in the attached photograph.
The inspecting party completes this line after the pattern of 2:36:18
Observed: 11:03:54
